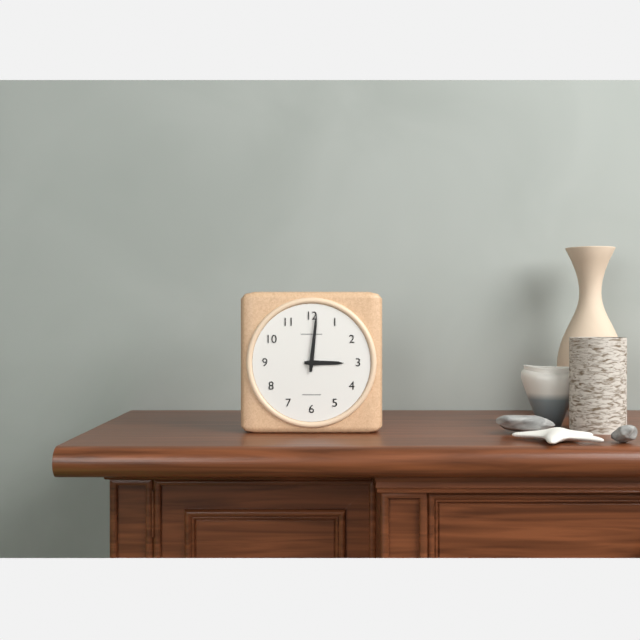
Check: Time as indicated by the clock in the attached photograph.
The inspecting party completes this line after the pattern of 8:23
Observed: 3:01
